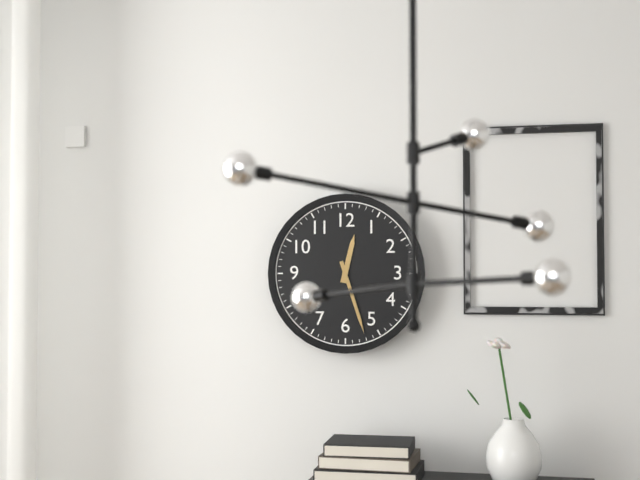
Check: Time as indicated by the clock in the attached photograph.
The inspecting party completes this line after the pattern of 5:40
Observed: 12:27
